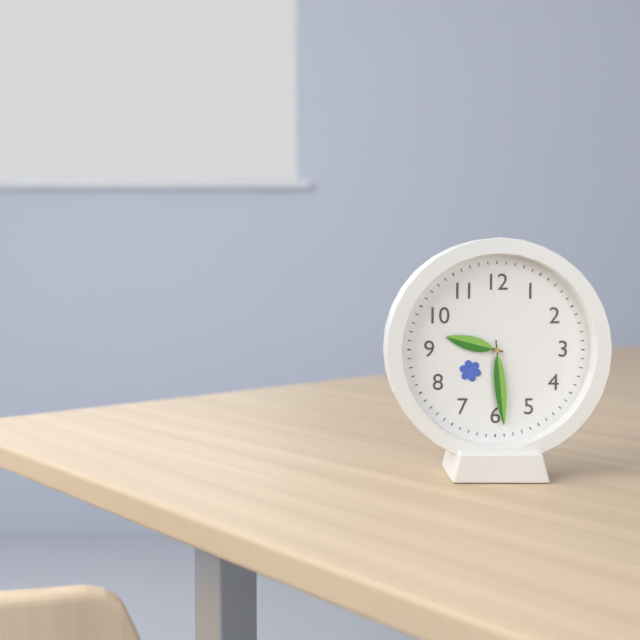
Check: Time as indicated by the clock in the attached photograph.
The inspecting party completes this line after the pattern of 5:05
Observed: 9:29
